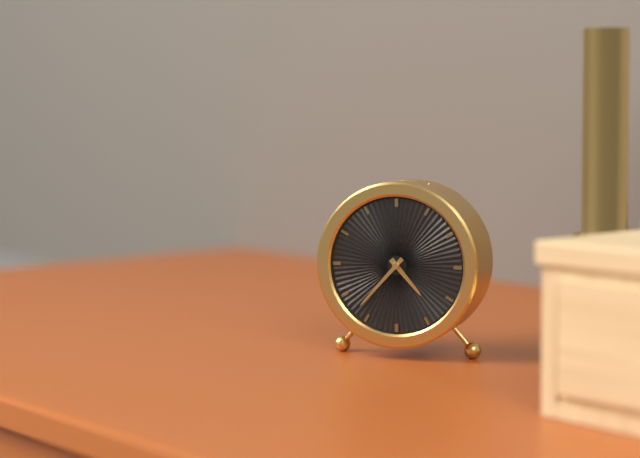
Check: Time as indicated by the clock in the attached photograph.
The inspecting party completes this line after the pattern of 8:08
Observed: 4:37
